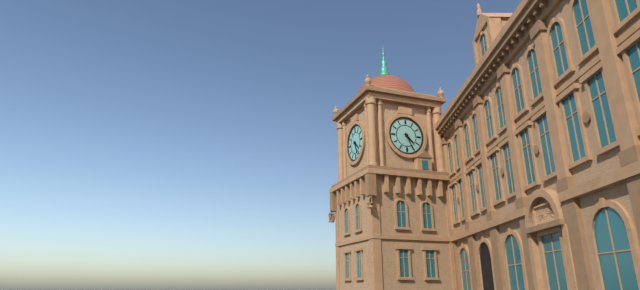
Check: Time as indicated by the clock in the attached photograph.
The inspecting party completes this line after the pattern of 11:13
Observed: 4:26
